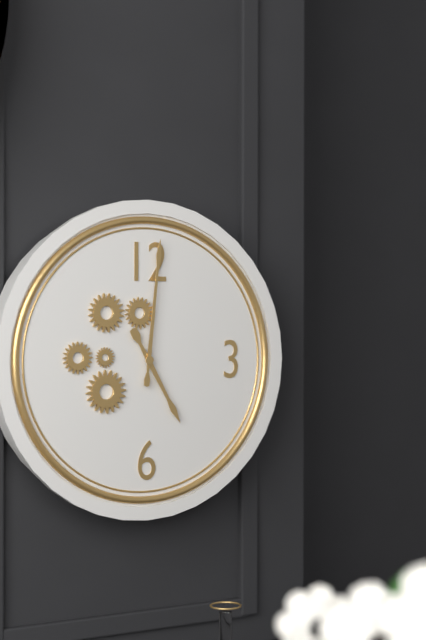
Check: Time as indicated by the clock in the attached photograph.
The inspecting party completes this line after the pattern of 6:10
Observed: 5:01
